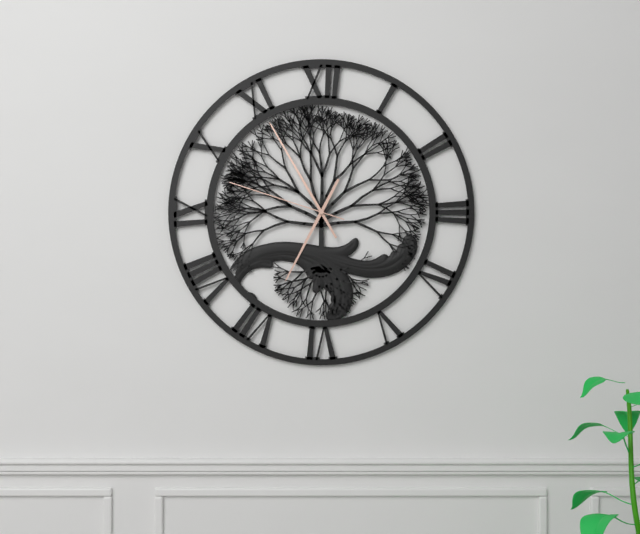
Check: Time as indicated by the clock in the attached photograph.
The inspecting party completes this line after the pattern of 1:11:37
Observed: 6:55:48
